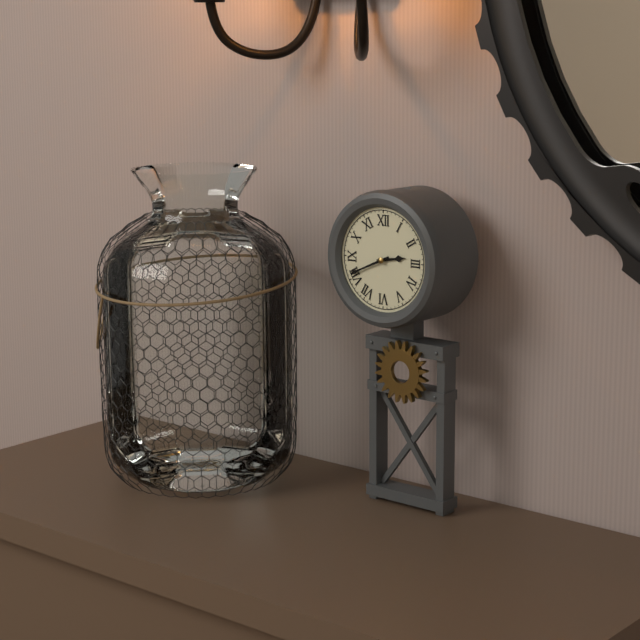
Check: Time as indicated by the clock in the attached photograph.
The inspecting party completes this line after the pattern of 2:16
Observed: 2:41
